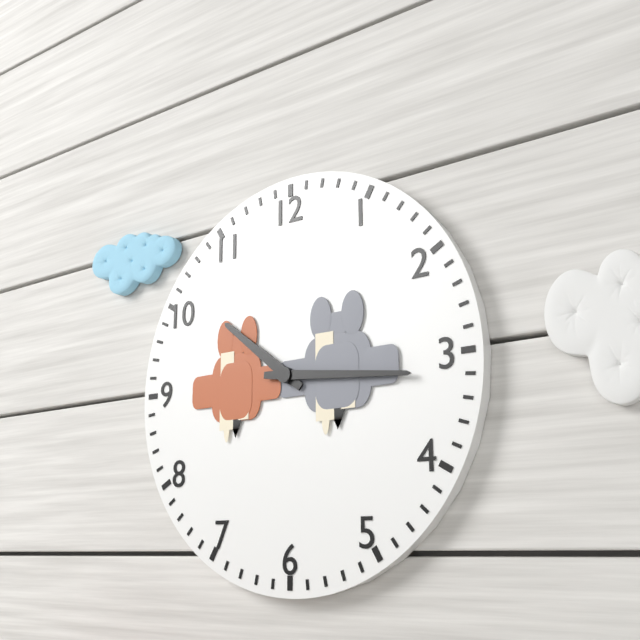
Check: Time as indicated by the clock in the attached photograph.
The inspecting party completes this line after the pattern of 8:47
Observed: 10:16
